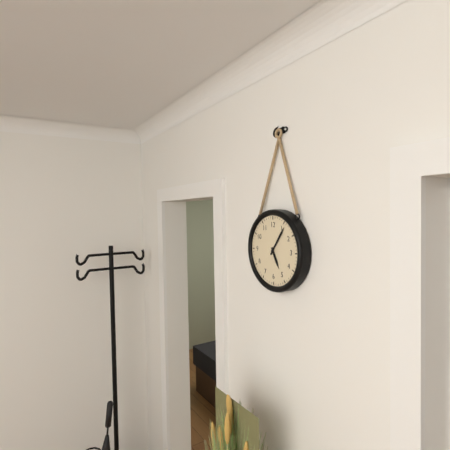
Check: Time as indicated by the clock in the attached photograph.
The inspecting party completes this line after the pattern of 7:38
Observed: 5:06
